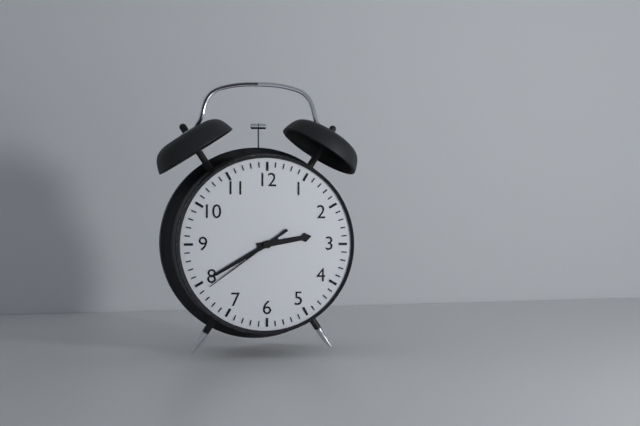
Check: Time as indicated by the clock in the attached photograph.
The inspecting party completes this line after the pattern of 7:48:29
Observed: 2:40:39
